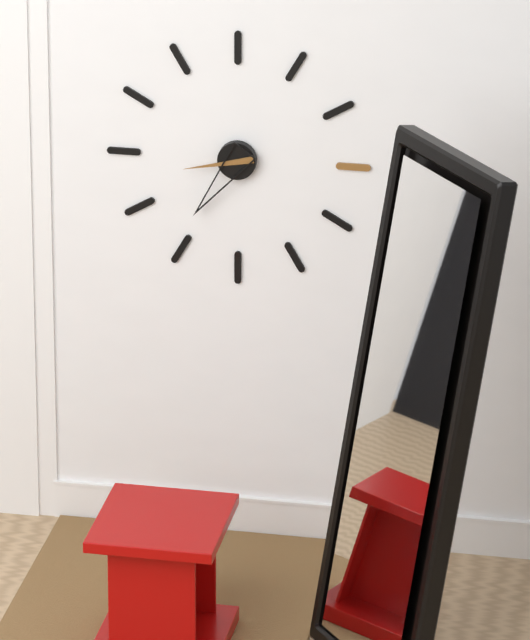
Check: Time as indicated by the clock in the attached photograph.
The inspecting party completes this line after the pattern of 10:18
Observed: 8:36
